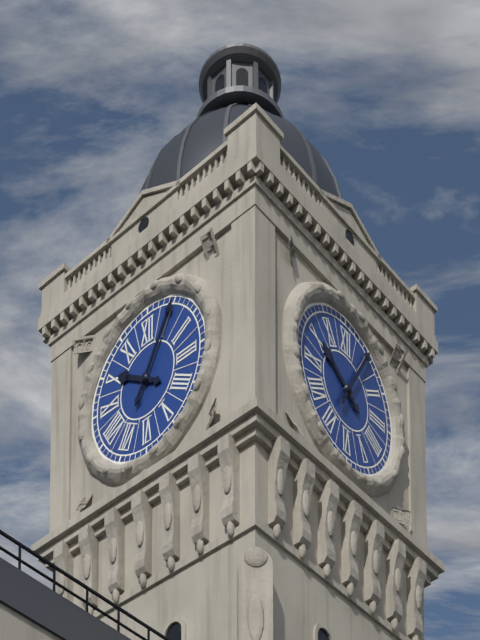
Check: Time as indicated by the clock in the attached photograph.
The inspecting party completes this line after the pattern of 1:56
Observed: 10:05
